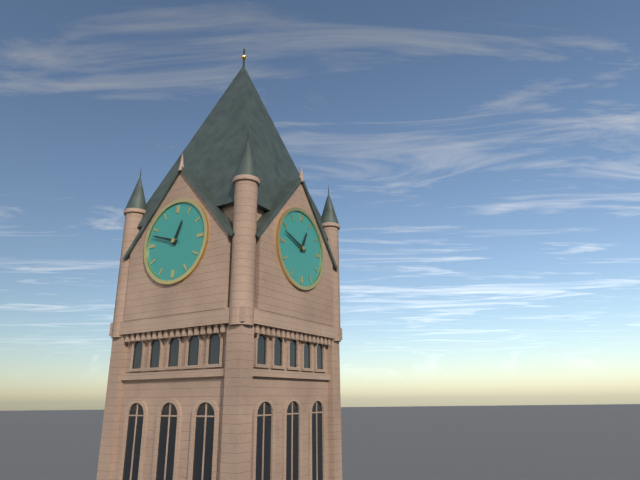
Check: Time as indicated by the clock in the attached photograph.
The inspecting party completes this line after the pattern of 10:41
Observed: 12:48
